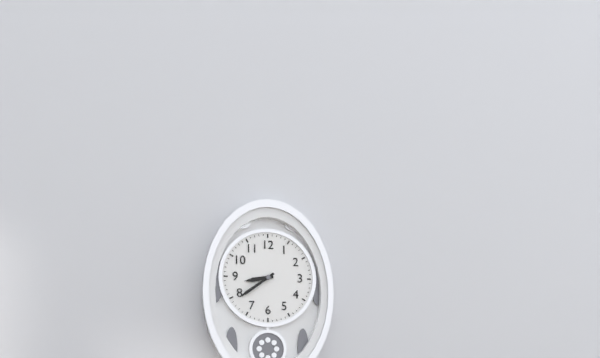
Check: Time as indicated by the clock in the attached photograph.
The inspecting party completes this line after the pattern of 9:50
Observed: 8:39
